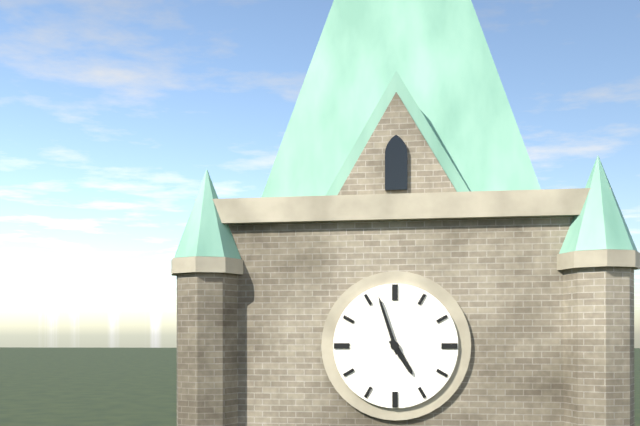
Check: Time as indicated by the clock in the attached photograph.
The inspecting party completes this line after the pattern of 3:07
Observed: 4:57
